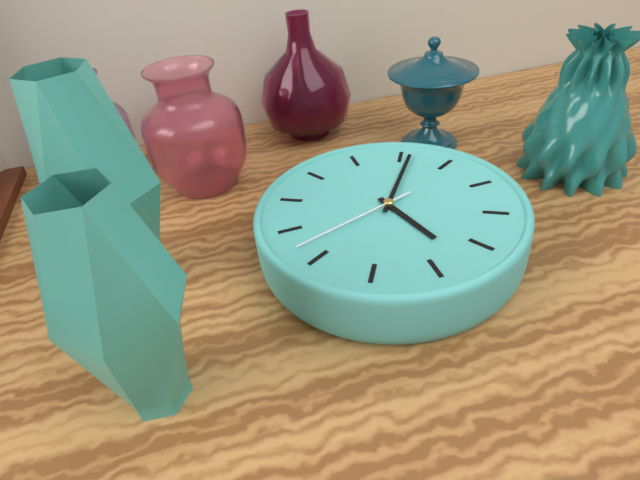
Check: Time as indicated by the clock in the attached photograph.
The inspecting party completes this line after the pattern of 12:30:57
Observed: 10:31:07
